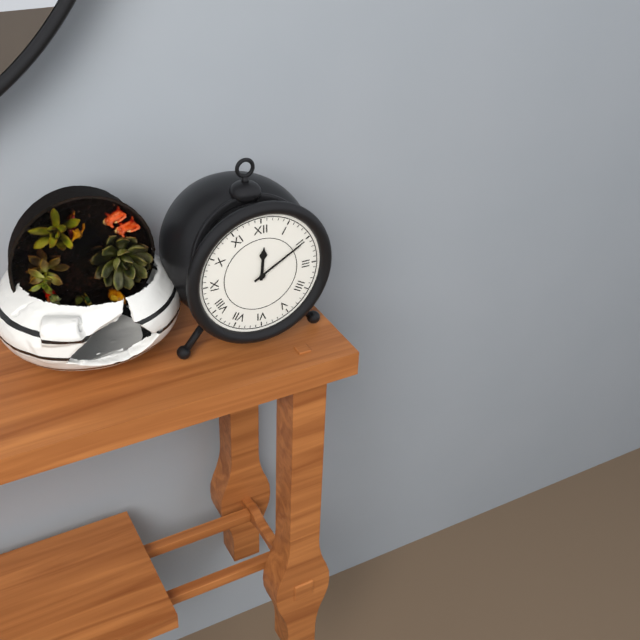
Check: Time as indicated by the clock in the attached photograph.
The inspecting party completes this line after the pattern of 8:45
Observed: 12:10
